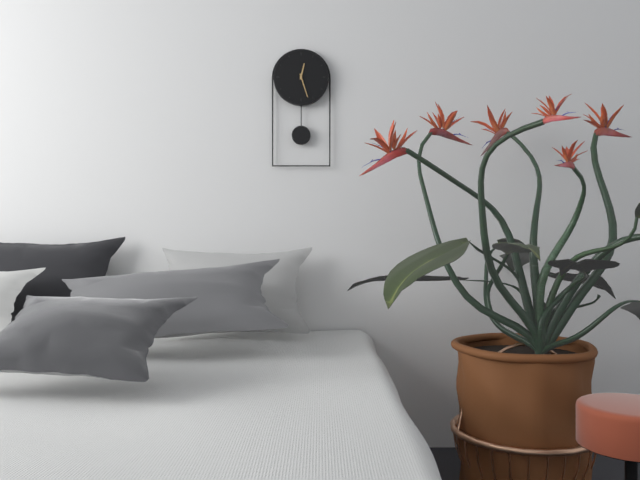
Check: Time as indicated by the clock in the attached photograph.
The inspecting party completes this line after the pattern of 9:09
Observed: 12:27
